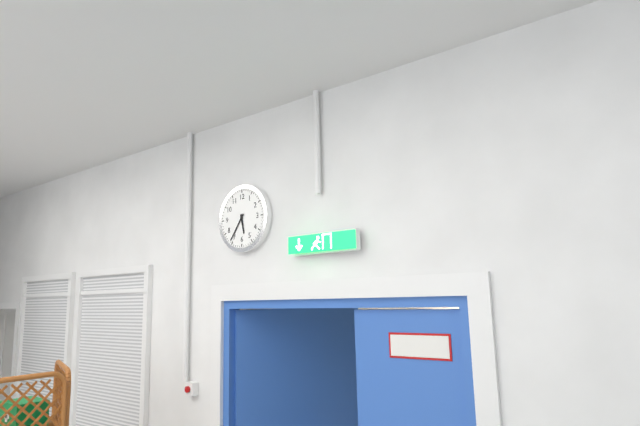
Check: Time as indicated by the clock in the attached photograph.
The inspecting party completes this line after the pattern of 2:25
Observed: 5:36
